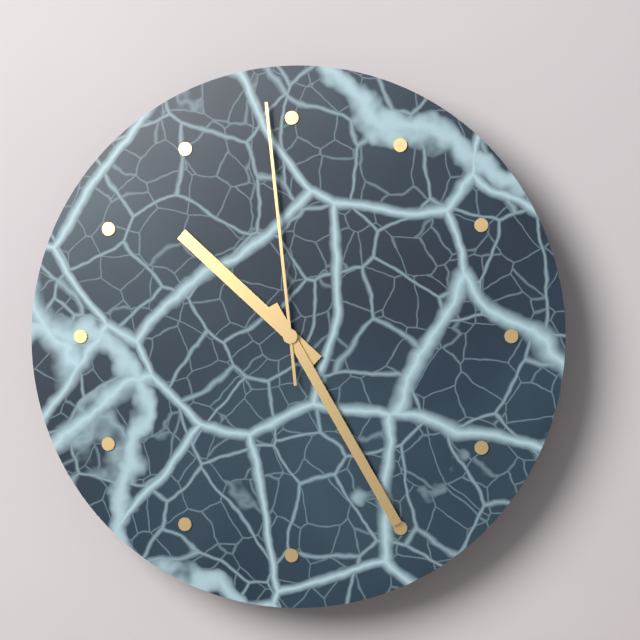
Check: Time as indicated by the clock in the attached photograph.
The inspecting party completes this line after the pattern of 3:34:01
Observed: 10:25:59
